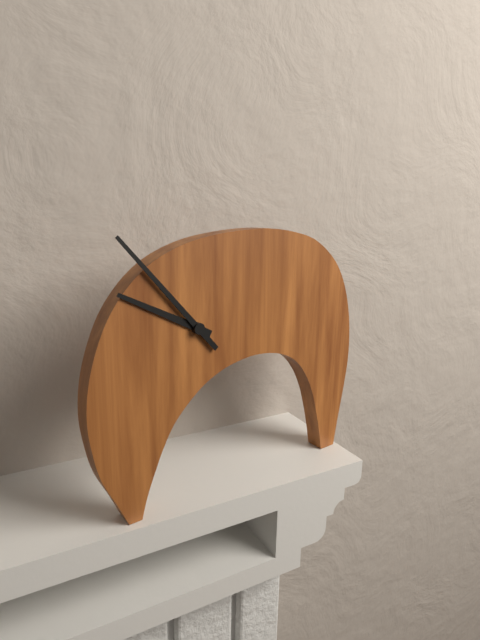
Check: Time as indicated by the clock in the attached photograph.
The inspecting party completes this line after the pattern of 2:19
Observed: 9:53
